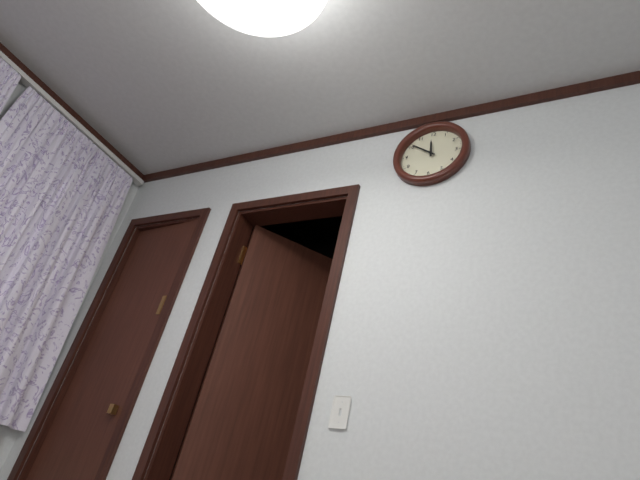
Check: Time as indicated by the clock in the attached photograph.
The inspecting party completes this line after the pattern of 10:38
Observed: 11:51
